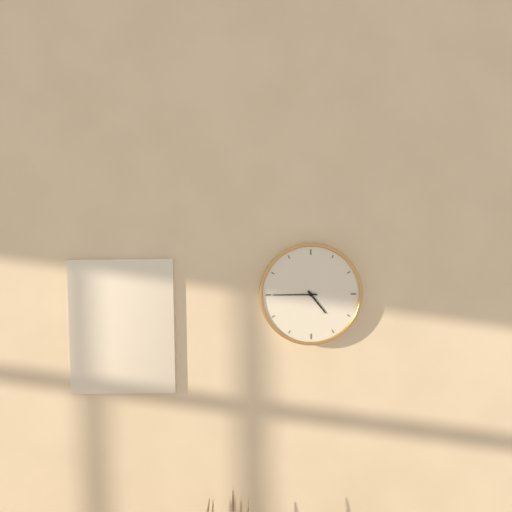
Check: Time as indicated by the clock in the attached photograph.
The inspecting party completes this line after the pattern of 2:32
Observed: 4:45
